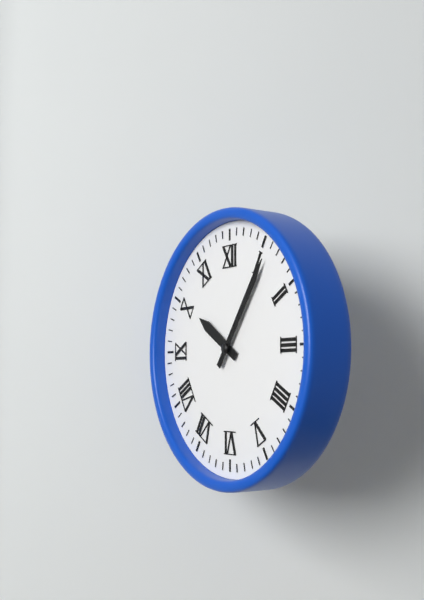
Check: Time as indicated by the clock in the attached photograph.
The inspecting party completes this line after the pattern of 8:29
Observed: 10:06
